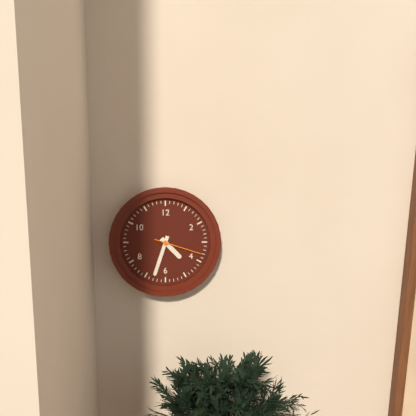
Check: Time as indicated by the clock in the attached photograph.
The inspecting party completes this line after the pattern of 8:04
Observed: 4:33
